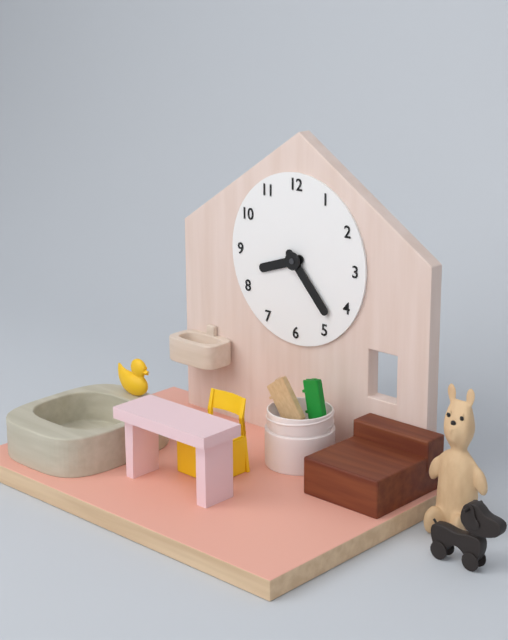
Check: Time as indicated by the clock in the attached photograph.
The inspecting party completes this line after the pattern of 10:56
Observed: 8:23
